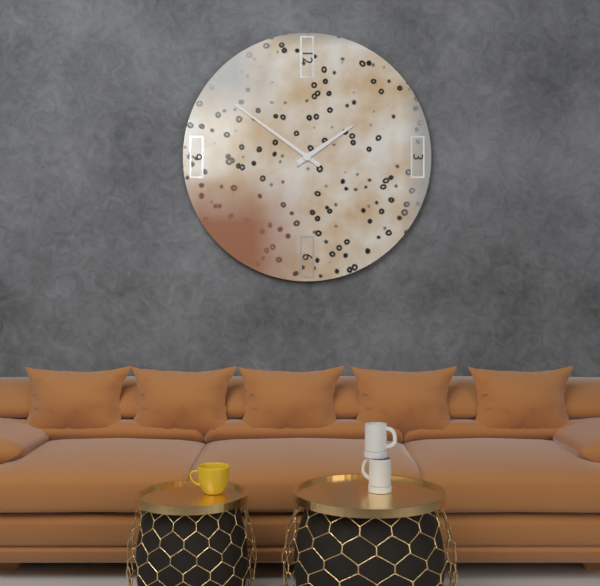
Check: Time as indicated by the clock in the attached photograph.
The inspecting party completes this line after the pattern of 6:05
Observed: 1:51
